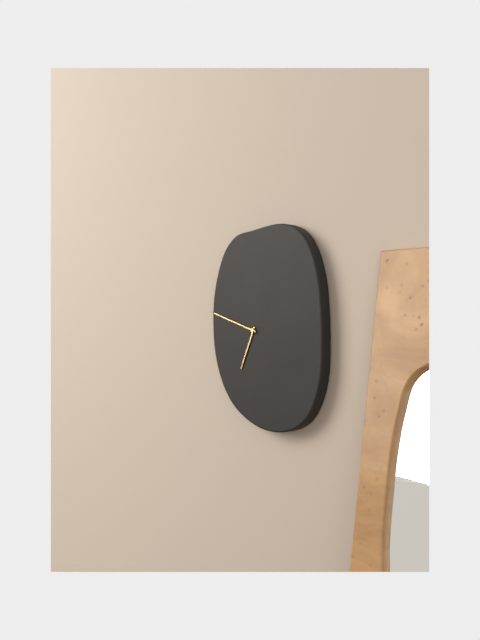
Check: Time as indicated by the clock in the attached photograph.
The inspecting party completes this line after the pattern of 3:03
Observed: 6:48
